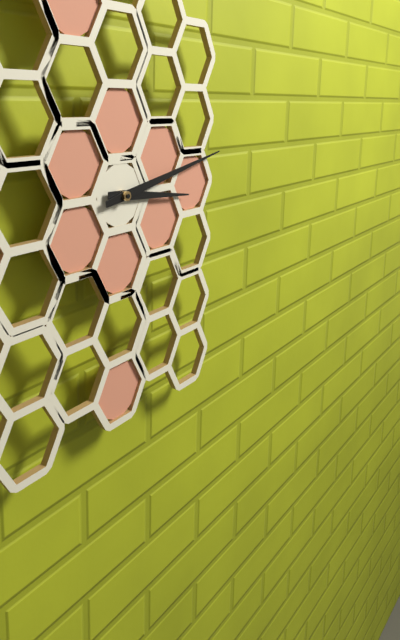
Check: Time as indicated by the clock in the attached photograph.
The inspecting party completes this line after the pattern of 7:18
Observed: 3:13
